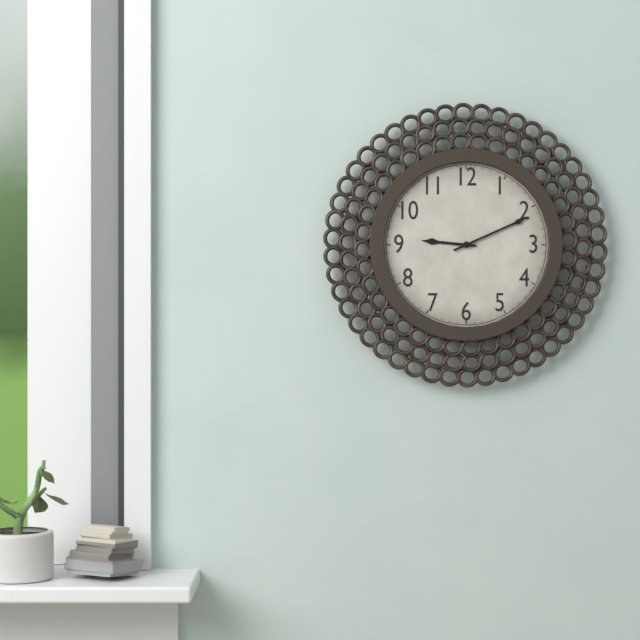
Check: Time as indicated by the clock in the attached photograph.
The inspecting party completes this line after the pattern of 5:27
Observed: 9:11
